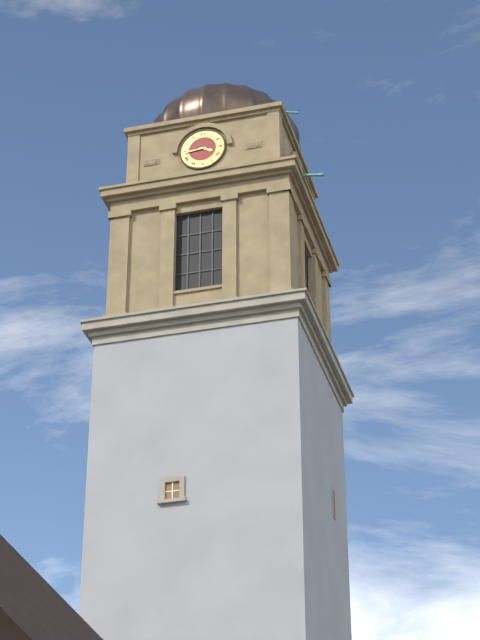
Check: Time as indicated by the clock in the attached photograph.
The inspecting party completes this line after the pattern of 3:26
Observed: 3:44
